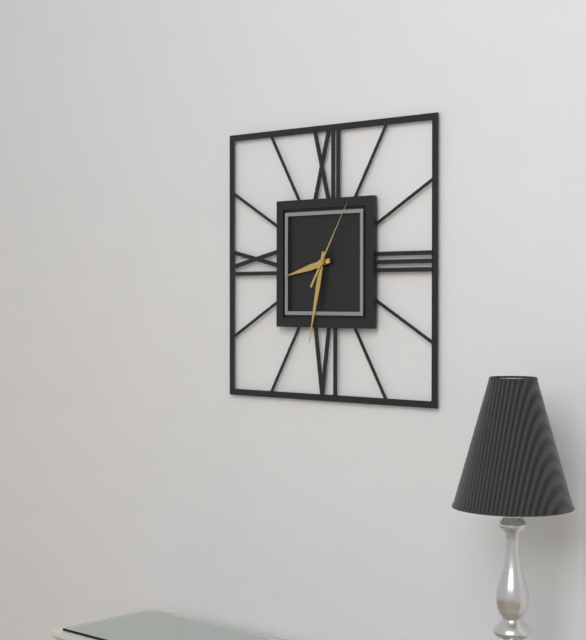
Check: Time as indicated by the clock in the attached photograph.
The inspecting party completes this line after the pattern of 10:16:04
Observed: 8:32:05
